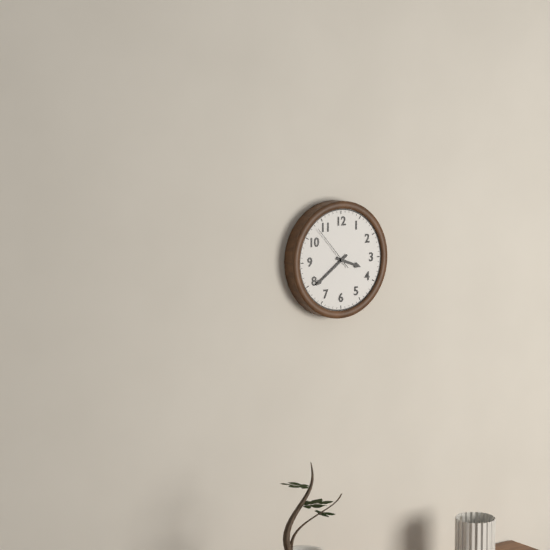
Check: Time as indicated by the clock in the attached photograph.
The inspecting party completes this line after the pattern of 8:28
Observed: 3:39
